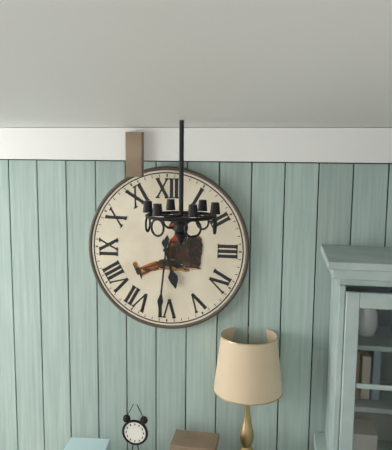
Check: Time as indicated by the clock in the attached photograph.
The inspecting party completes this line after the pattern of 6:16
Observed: 5:31
